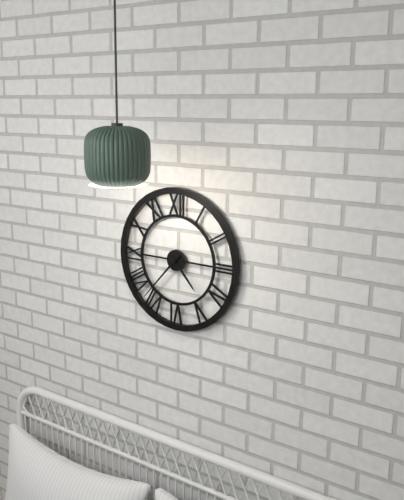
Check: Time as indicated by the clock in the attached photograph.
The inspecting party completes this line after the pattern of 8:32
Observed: 4:37
